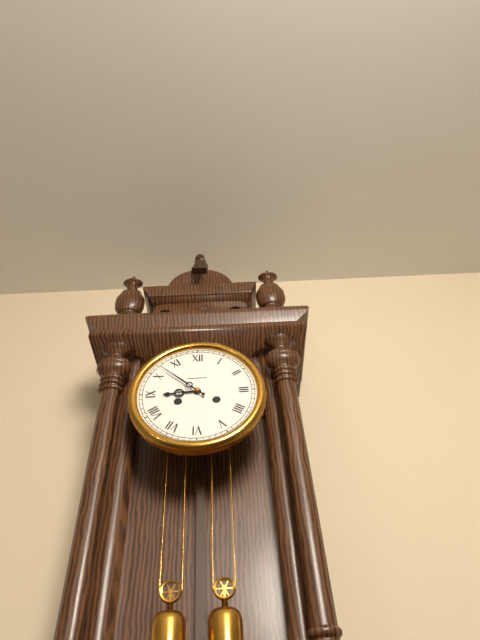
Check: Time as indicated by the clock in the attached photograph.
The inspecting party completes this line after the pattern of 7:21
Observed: 8:52
